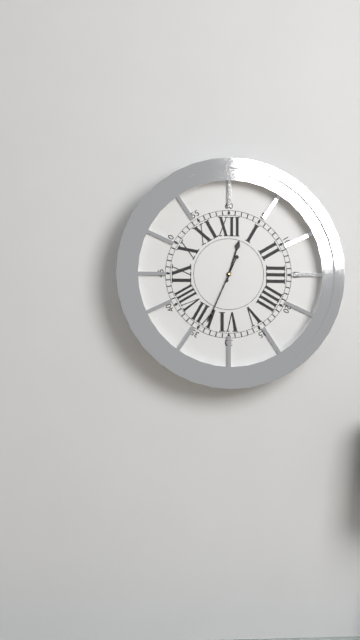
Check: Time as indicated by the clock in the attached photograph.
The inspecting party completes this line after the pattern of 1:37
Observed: 12:34
